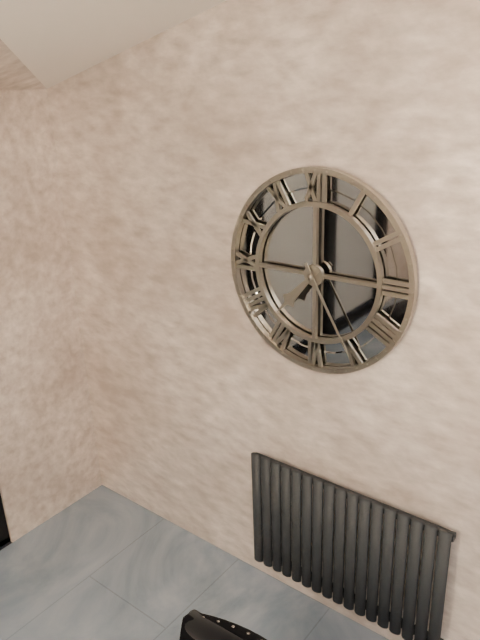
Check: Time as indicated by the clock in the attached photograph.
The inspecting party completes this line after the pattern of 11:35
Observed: 7:25
